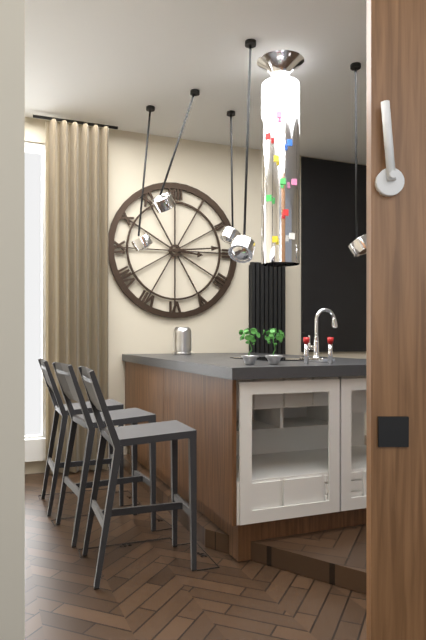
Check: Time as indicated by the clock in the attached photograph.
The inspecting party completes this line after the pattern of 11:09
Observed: 3:14
